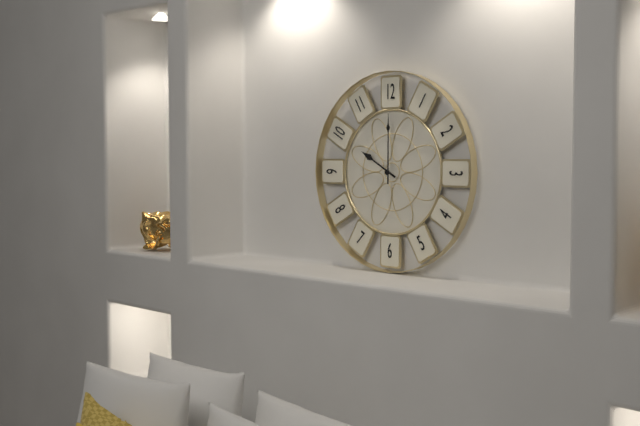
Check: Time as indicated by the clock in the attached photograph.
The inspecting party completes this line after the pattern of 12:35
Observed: 10:00
